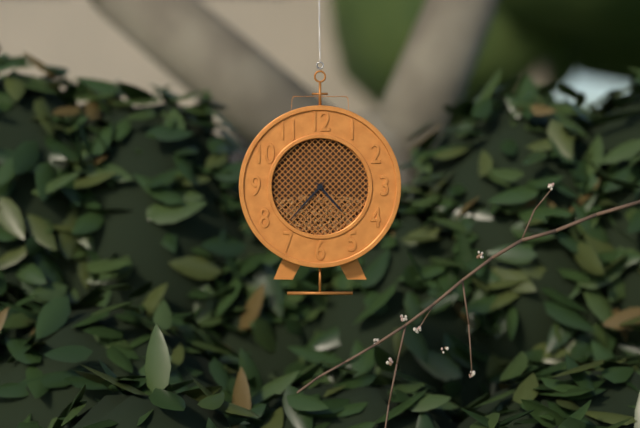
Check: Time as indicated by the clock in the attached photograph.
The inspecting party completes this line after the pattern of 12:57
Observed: 4:37
